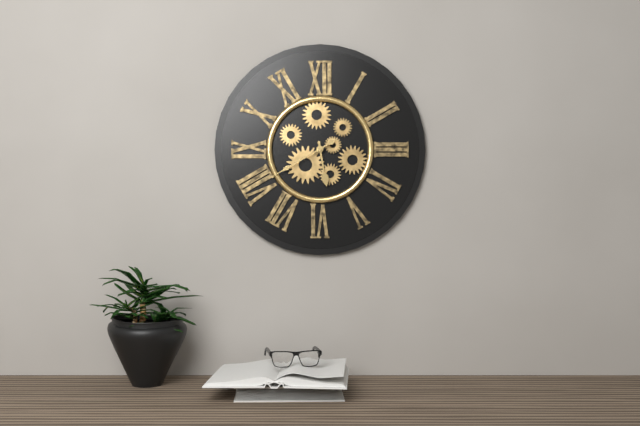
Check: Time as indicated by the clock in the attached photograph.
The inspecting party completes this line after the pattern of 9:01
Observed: 5:40
